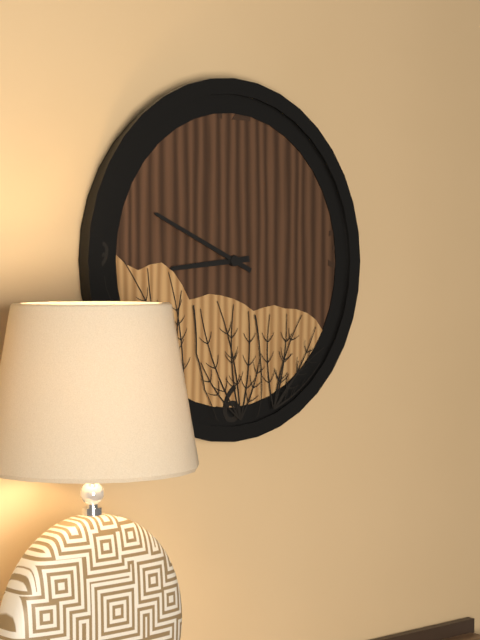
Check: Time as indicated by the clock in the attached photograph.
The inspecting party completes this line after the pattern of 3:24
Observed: 8:49
